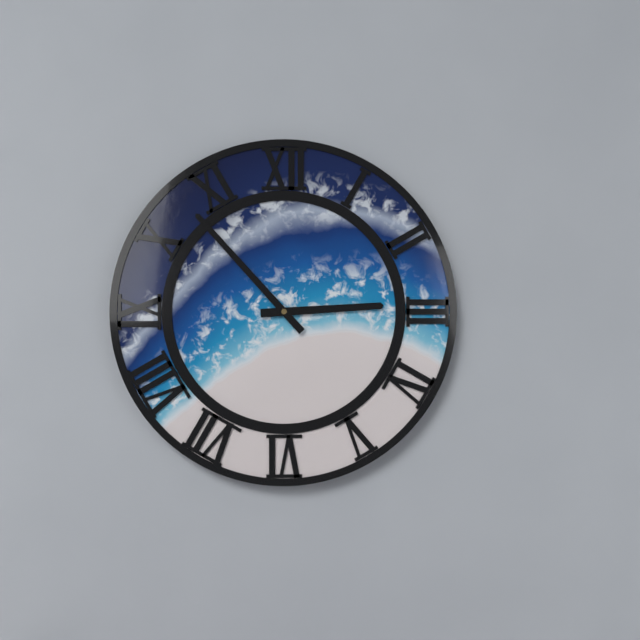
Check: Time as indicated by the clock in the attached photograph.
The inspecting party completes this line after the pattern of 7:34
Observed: 2:53
